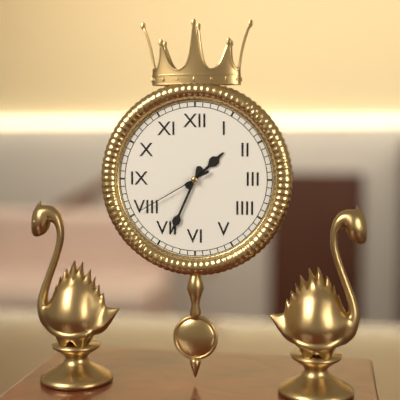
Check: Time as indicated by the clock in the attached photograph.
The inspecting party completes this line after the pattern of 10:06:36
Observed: 1:34:40
